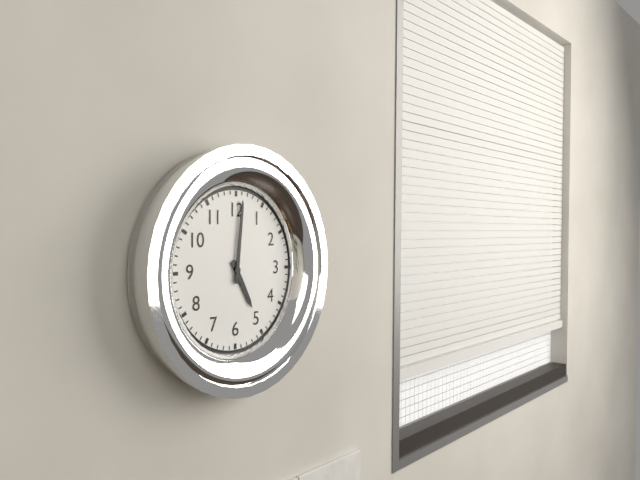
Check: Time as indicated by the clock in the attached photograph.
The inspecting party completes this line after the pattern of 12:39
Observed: 5:01
